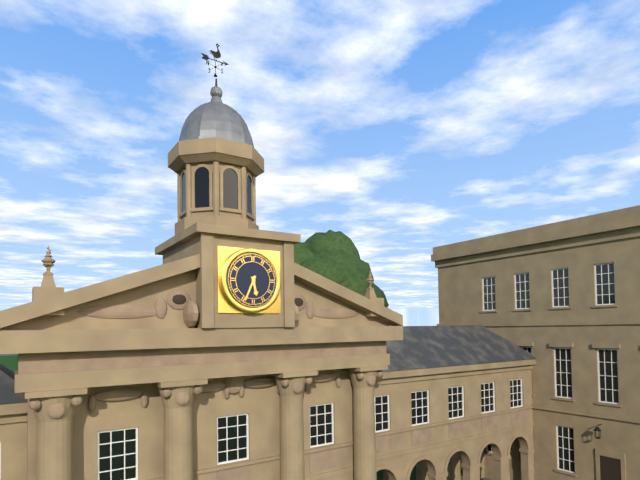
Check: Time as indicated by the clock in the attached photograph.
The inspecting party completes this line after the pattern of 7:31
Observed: 5:34
